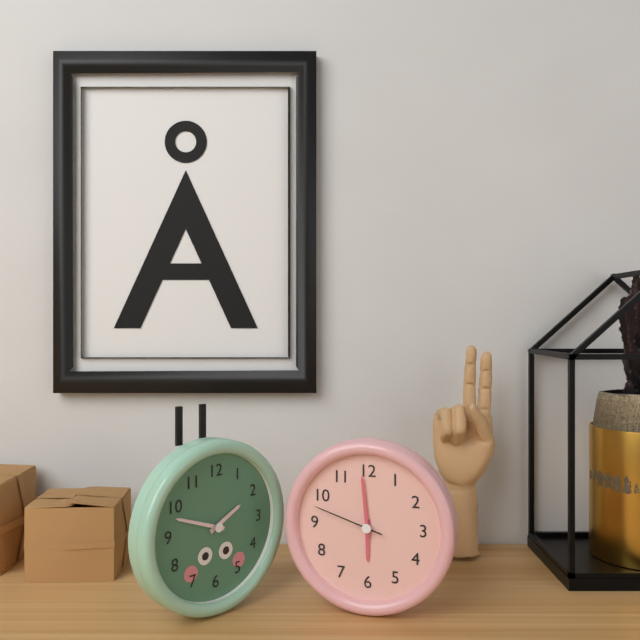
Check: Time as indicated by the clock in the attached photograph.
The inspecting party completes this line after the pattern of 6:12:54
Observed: 5:59:48
